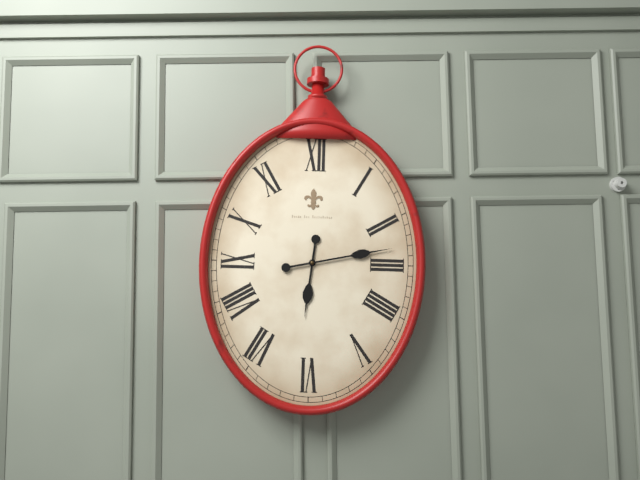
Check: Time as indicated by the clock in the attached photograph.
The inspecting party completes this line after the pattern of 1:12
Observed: 6:13
